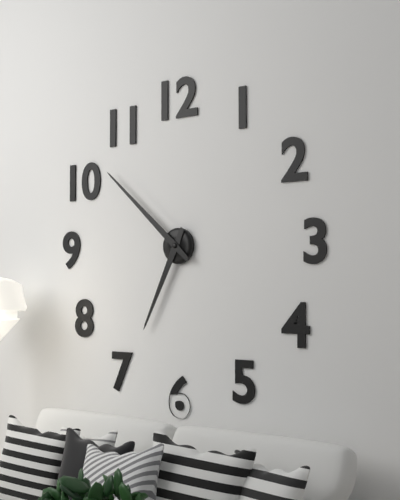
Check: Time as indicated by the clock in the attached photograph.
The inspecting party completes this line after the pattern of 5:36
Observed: 6:52
